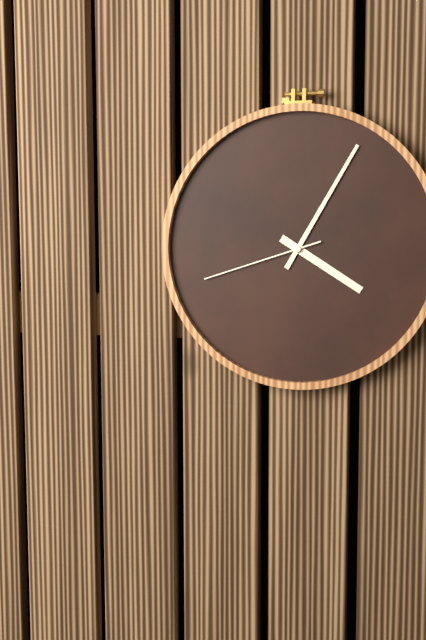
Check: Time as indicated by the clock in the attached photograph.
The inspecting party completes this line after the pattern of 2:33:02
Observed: 4:05:42
